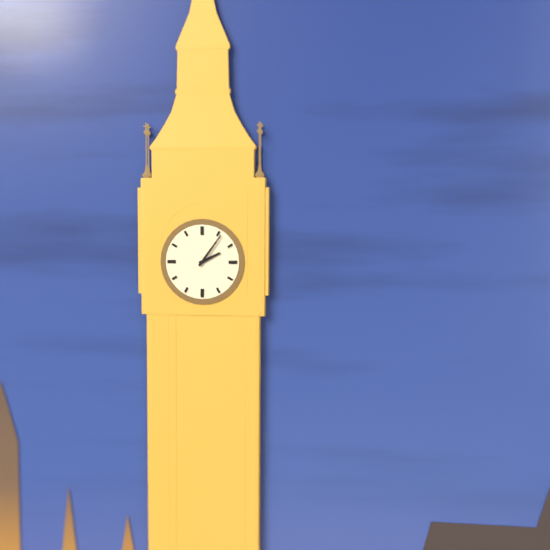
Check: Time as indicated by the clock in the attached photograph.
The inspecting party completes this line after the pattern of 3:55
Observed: 2:06
